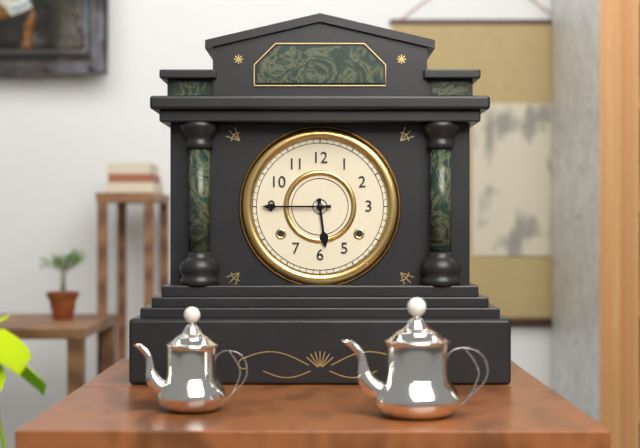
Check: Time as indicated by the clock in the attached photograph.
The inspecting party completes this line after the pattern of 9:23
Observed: 5:45
